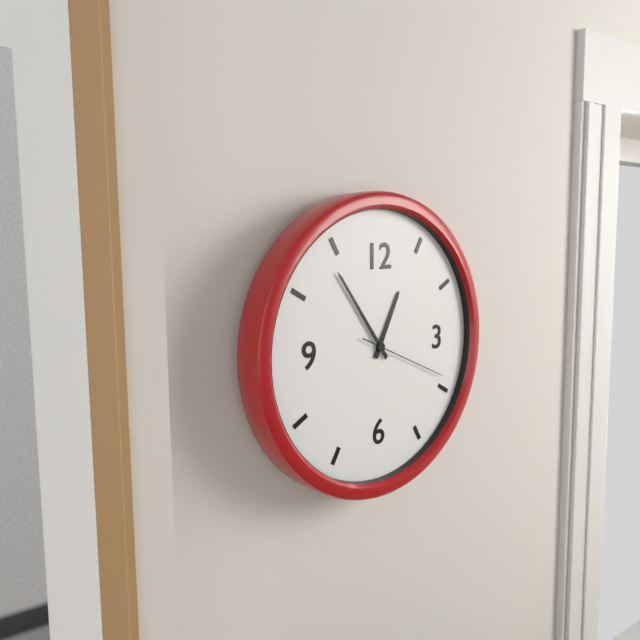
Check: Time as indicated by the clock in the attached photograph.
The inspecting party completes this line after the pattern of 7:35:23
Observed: 12:54:19
